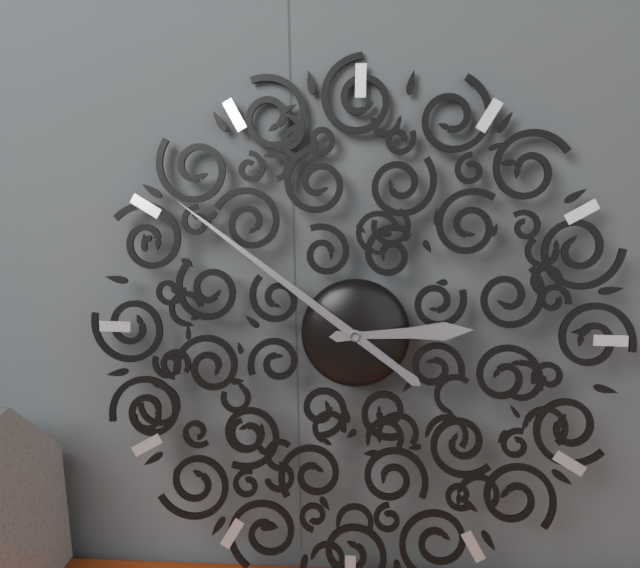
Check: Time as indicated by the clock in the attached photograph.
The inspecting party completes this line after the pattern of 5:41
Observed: 2:51
